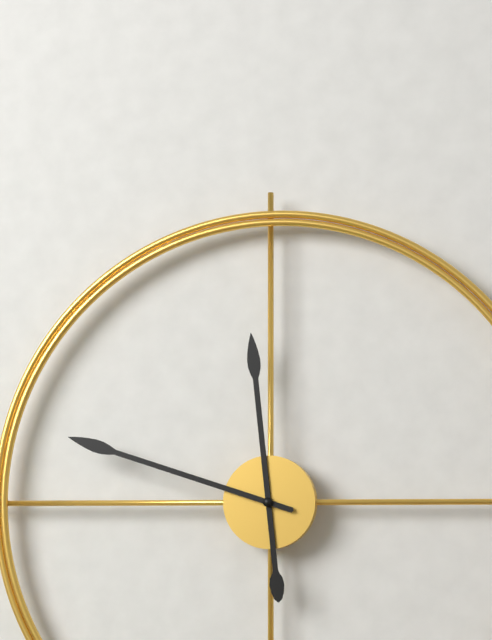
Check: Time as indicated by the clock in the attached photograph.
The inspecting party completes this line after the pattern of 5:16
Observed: 11:48
